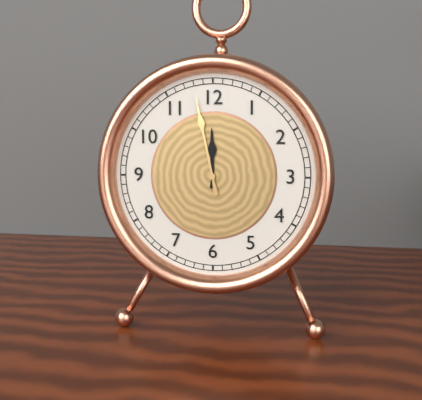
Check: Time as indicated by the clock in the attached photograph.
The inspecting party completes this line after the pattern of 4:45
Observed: 11:58
